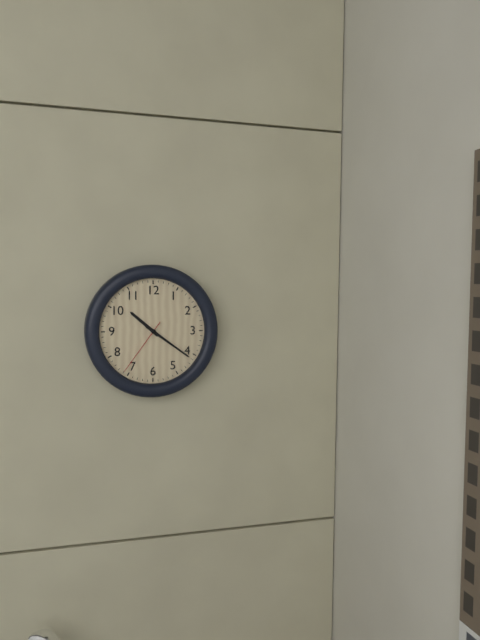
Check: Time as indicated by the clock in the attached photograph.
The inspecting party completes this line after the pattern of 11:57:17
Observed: 10:21:36
